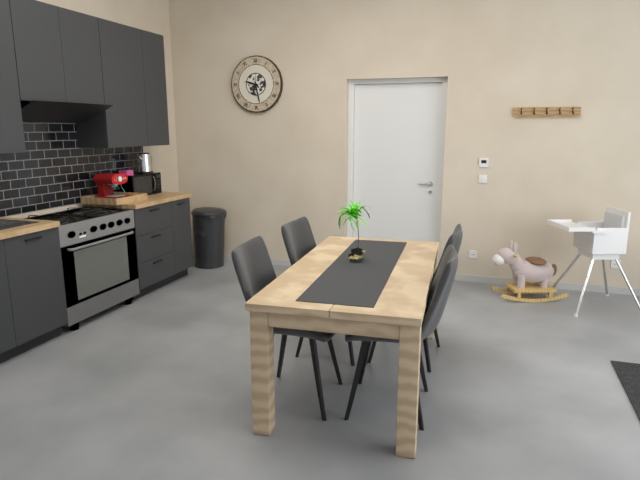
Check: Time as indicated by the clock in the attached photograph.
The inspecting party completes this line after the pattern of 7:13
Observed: 9:28
